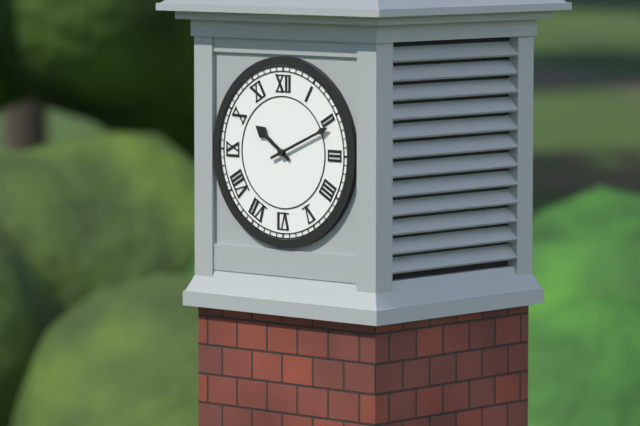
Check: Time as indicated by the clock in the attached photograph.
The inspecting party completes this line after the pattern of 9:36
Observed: 10:11
